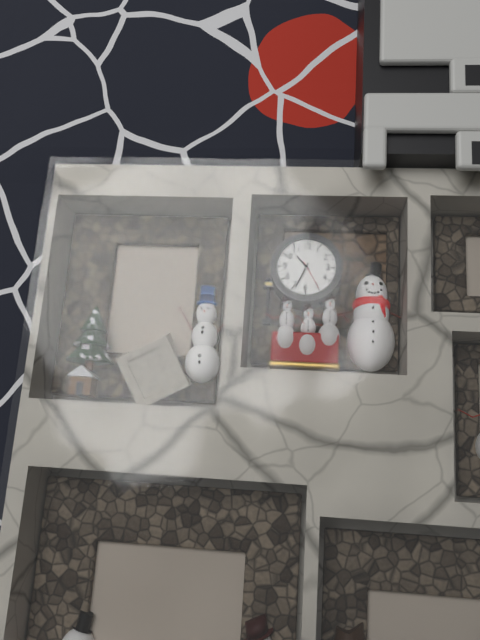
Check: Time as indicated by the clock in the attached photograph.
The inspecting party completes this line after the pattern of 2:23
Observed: 10:34
